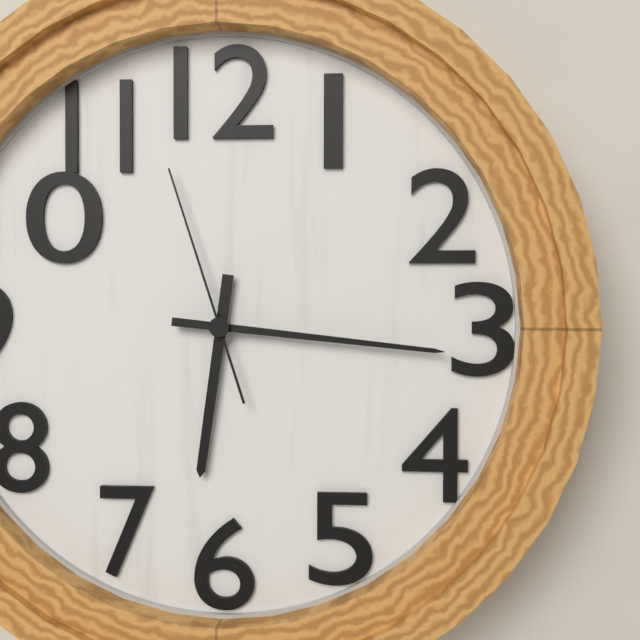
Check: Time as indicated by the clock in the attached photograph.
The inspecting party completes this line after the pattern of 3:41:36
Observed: 6:16:57
